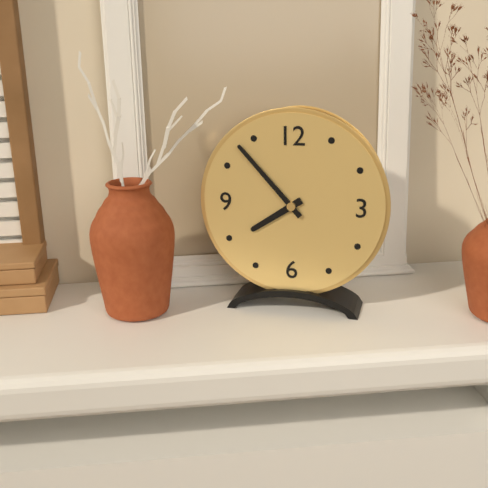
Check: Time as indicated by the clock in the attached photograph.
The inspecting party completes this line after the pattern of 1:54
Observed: 7:53
